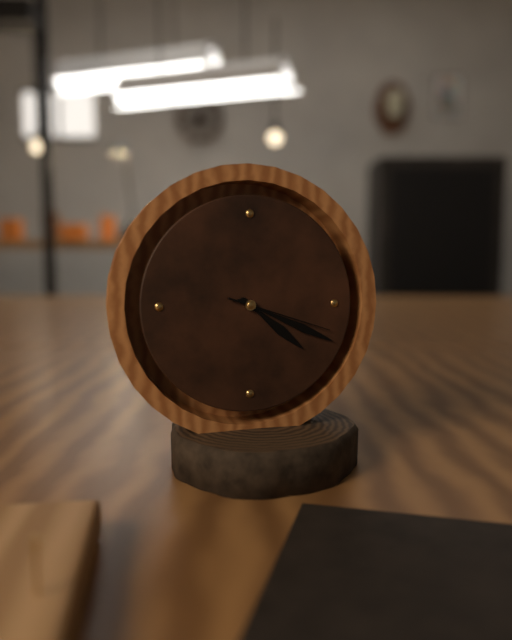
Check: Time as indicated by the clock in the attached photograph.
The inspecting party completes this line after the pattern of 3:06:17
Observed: 4:19:18
